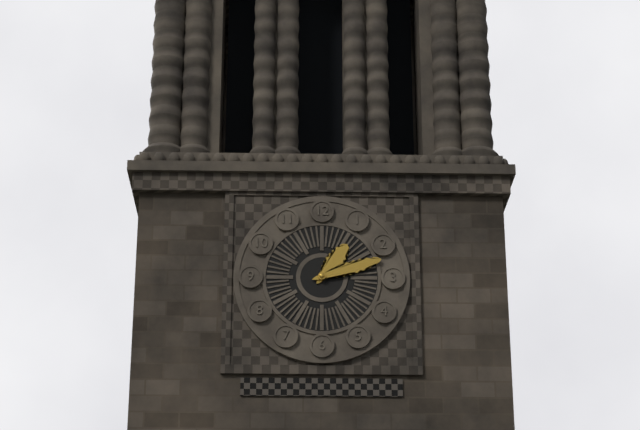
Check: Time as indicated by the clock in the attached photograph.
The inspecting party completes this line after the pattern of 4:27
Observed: 1:12
